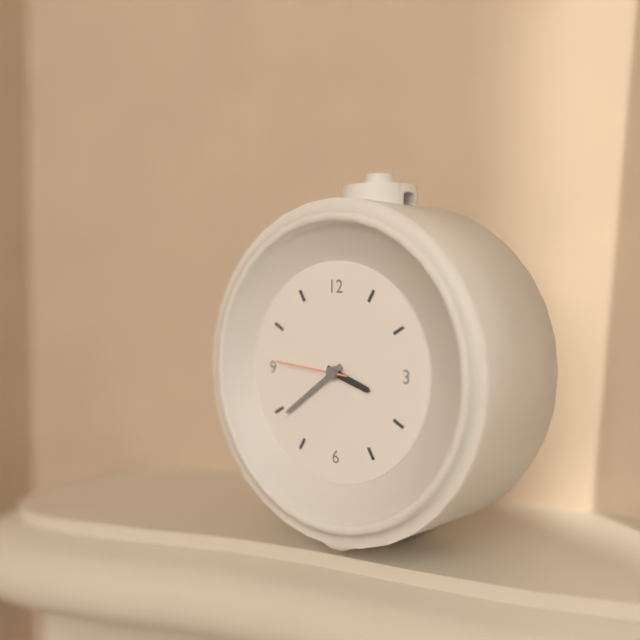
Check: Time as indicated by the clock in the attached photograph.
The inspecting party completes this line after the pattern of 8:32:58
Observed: 3:39:46
